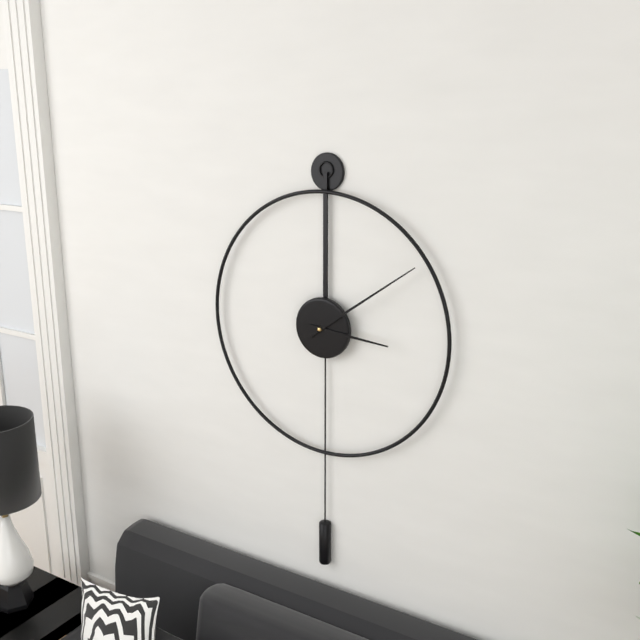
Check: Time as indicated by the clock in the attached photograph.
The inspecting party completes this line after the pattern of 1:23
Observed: 3:09
